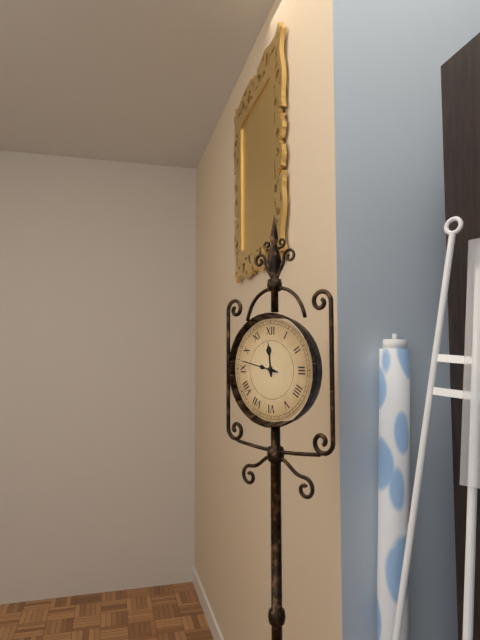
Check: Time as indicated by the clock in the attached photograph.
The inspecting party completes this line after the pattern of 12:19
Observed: 11:47
